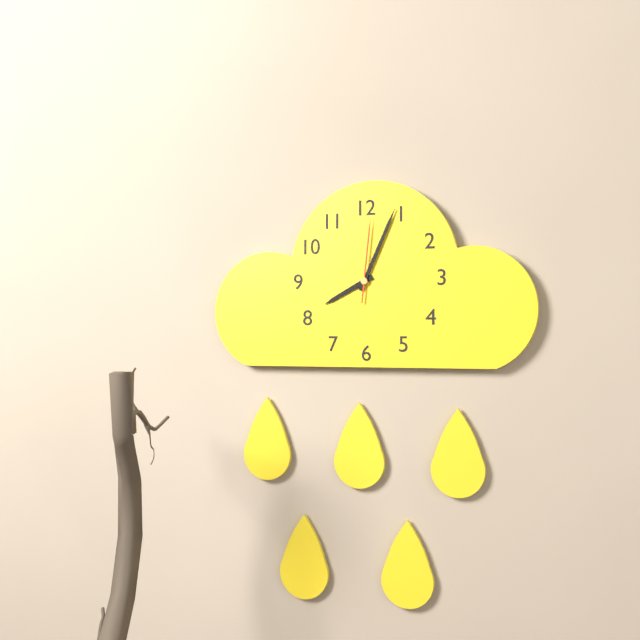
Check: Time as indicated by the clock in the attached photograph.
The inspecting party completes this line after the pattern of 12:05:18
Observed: 8:04:01
